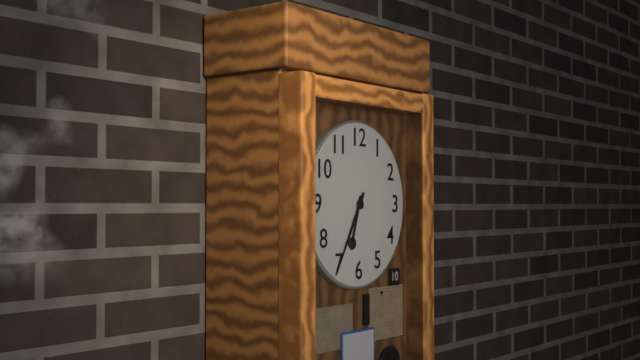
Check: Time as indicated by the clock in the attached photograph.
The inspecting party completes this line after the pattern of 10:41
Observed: 6:35
